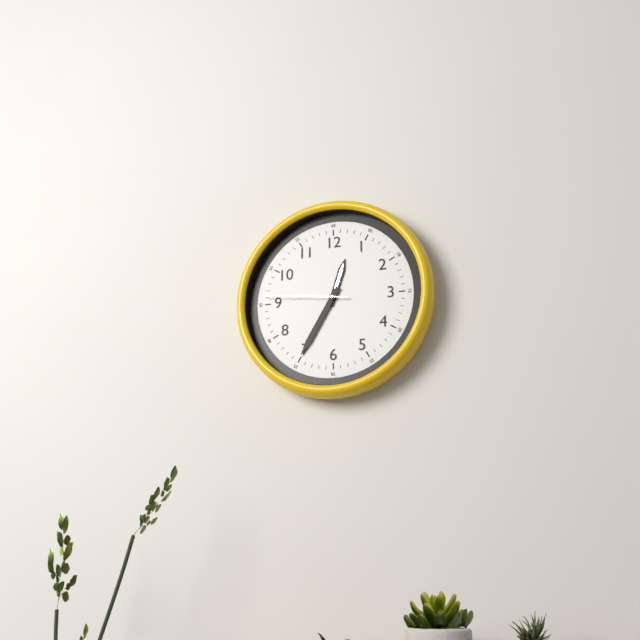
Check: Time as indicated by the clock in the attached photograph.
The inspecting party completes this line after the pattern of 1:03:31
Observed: 12:35:46
